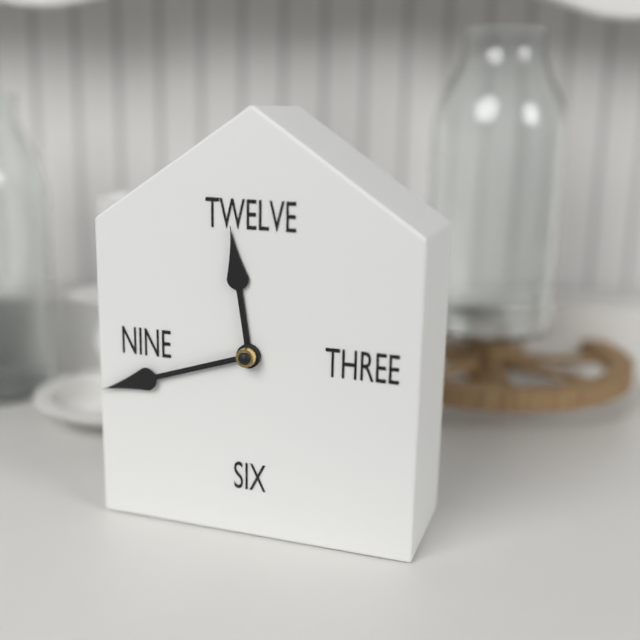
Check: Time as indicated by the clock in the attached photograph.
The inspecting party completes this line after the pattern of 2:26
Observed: 11:42
